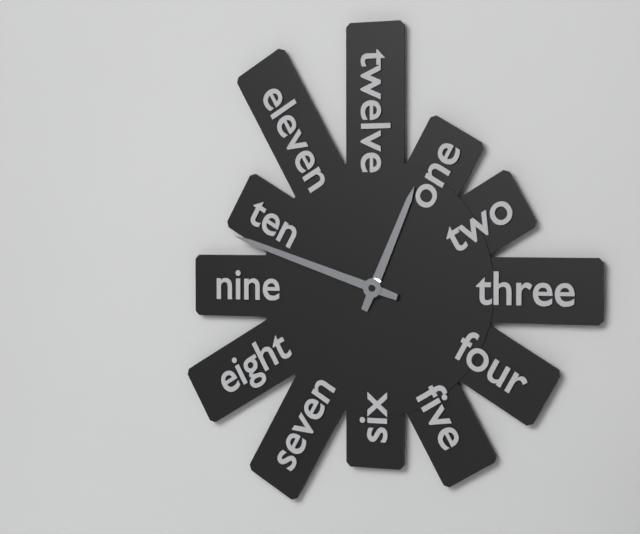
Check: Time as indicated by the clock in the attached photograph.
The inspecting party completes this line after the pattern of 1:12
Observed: 12:48
